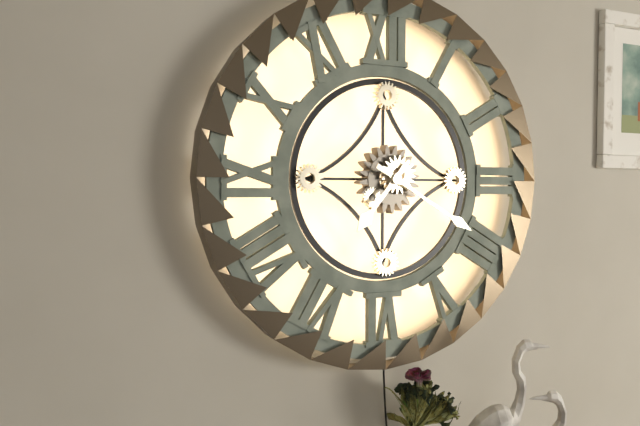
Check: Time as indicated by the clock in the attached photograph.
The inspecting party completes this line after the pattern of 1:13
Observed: 7:20
